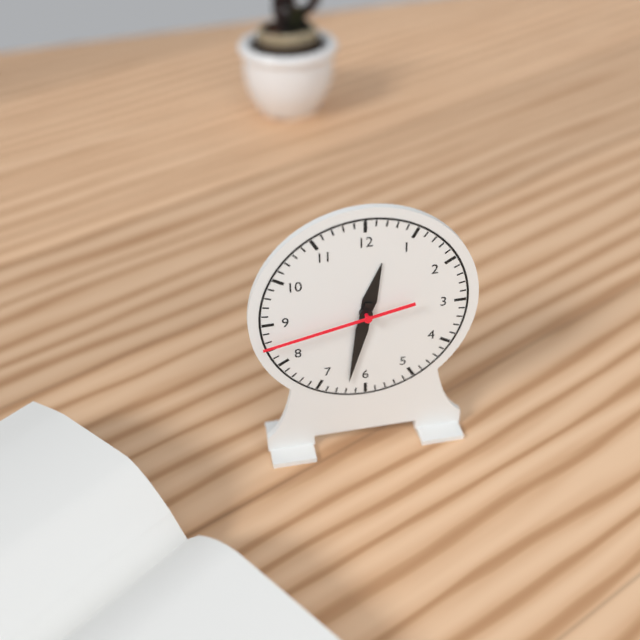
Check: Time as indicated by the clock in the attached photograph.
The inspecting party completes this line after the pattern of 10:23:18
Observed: 12:32:43
